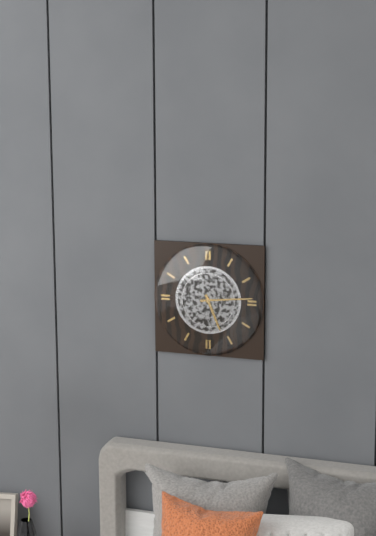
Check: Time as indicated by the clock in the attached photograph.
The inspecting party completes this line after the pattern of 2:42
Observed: 5:14
